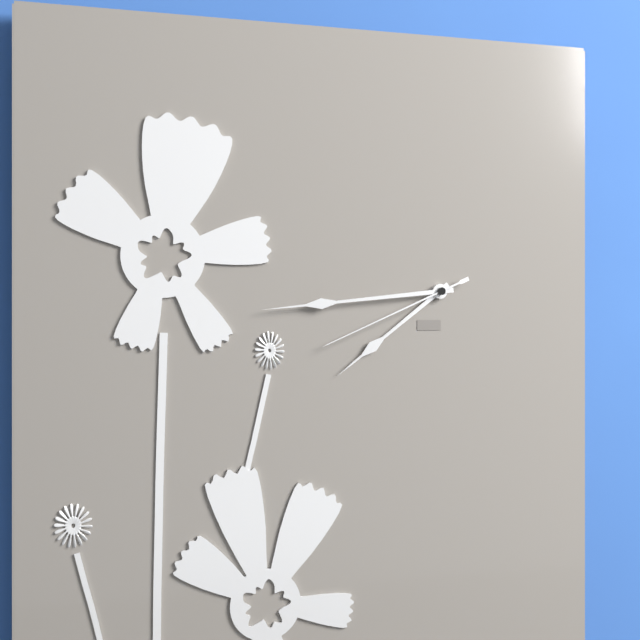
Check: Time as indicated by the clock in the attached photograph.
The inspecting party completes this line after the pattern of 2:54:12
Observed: 7:44:41
